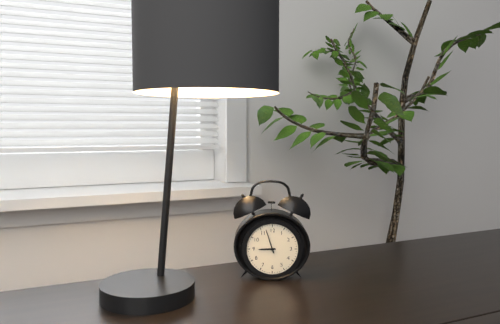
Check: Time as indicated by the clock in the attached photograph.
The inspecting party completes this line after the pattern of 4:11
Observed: 8:57
